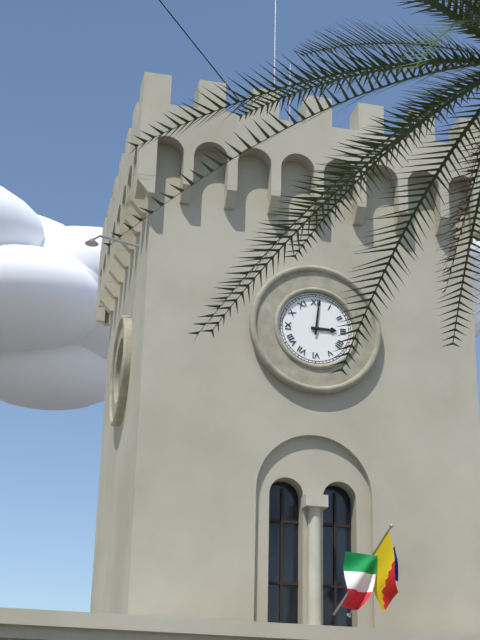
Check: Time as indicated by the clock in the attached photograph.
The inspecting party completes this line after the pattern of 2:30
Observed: 3:01
